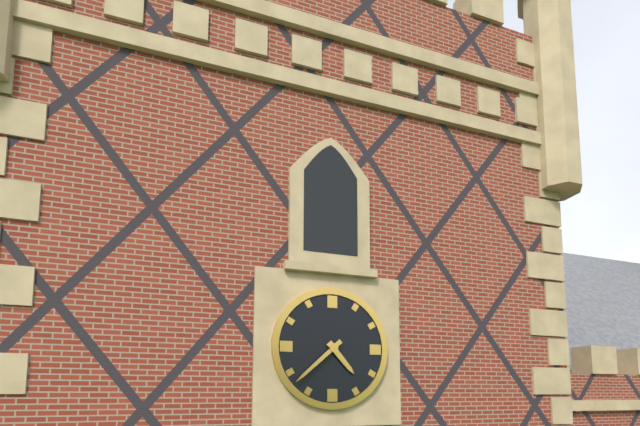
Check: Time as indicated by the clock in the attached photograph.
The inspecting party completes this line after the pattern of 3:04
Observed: 4:38
